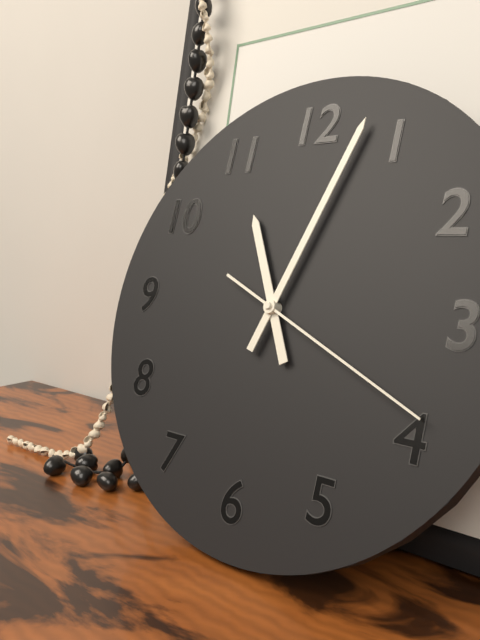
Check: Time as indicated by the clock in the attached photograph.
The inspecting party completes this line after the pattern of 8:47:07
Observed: 11:03:19
